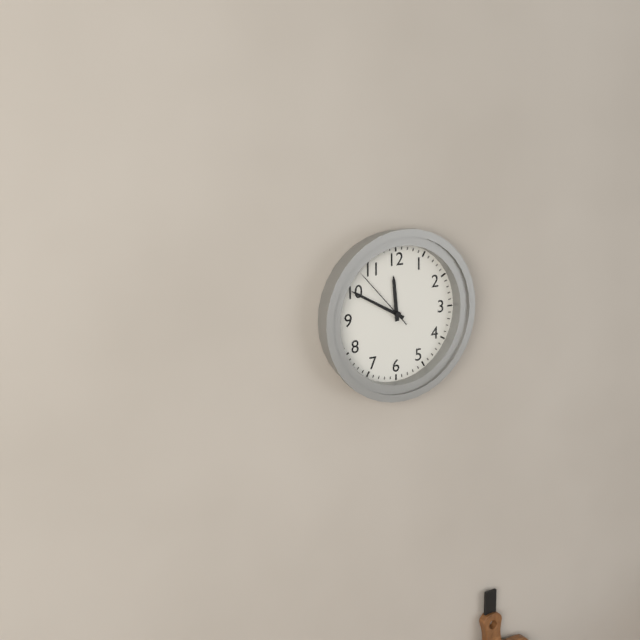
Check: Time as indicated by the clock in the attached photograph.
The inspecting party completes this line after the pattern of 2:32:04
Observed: 11:50:53
